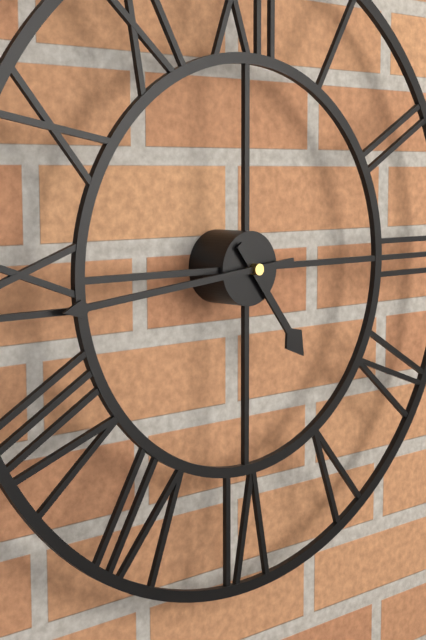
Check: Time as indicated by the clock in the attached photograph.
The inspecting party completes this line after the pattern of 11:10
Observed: 4:44
